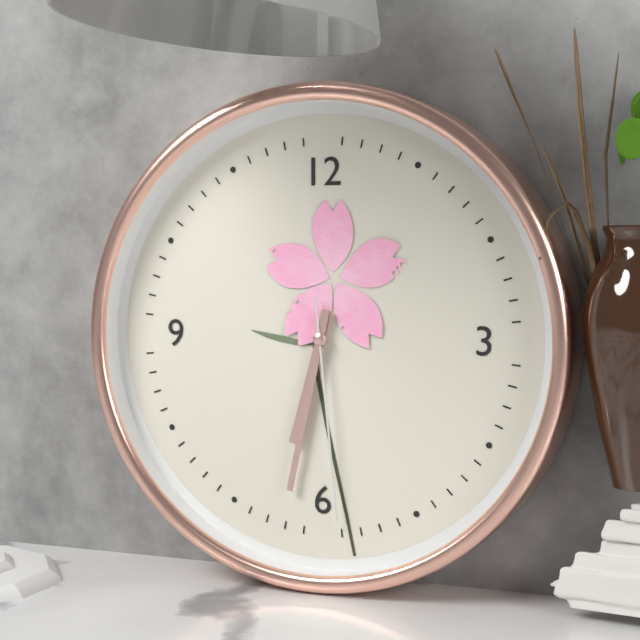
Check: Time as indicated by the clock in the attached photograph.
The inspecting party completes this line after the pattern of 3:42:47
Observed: 6:32:29
